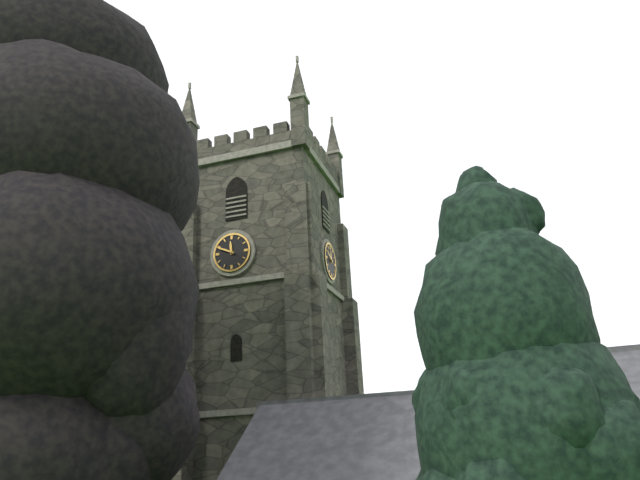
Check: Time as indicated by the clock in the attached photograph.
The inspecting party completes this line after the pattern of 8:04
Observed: 11:49
